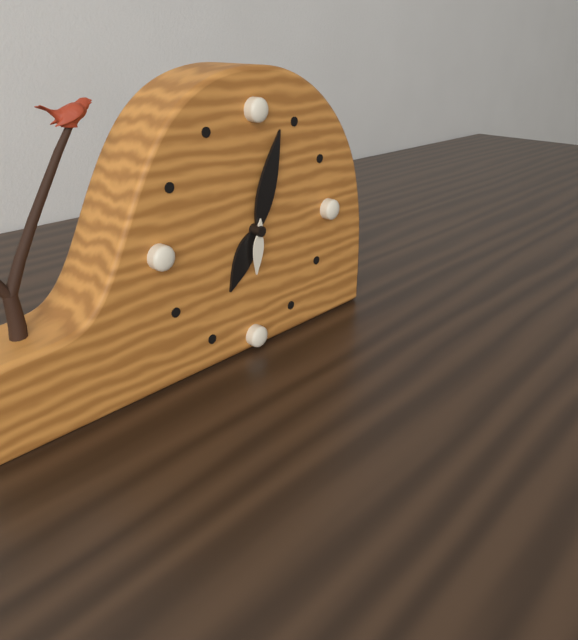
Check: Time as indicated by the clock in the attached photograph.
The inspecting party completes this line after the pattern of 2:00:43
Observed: 7:03:31
